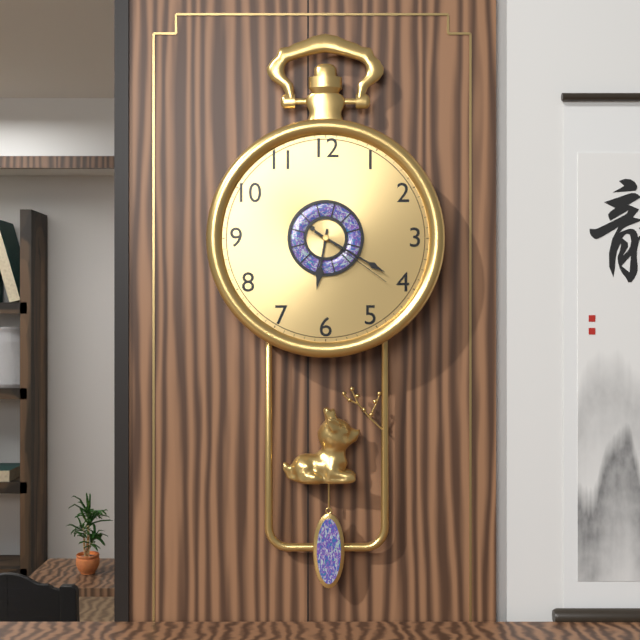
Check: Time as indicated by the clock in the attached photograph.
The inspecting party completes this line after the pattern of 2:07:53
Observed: 6:20:21
